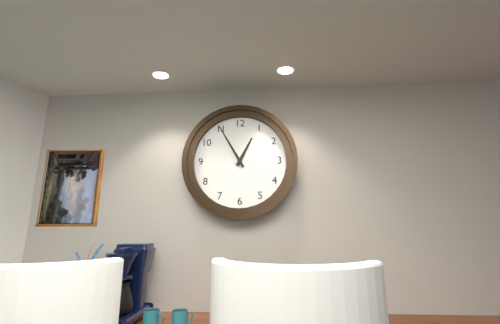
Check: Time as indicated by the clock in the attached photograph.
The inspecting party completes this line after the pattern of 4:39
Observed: 12:55
